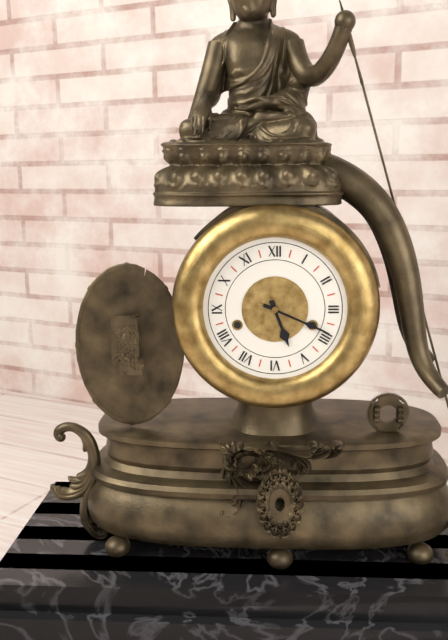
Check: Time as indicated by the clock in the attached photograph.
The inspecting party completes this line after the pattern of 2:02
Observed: 5:19
